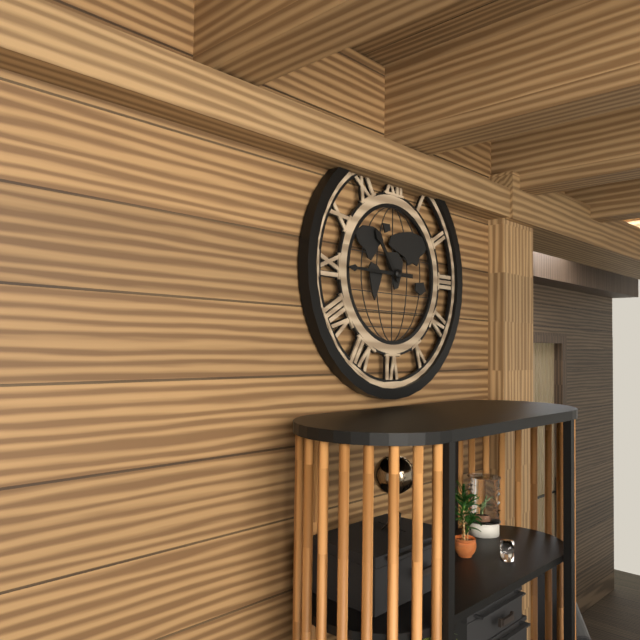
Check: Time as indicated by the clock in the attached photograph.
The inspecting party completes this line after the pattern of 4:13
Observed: 10:45
